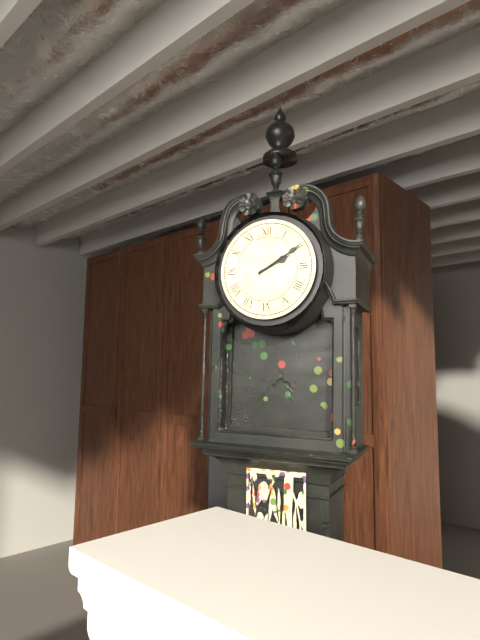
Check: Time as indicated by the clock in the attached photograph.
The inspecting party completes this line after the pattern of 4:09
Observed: 2:10
